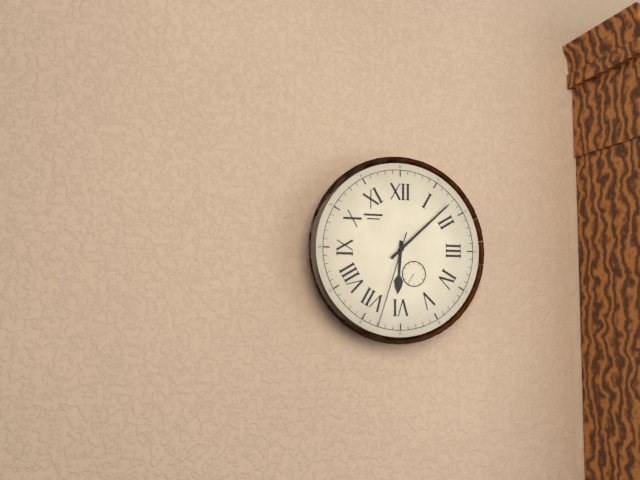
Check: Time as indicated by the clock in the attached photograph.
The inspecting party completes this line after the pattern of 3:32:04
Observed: 6:08:33
